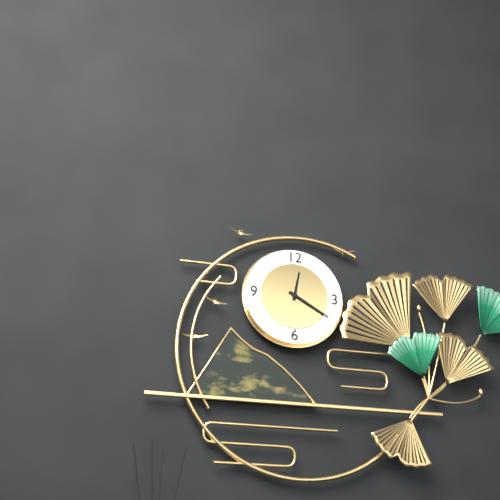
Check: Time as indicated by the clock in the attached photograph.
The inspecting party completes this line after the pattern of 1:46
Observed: 12:20
